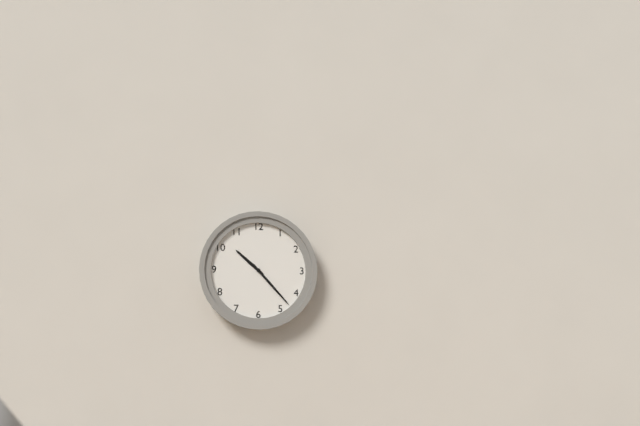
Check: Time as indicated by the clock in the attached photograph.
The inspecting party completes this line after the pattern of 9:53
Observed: 10:23
